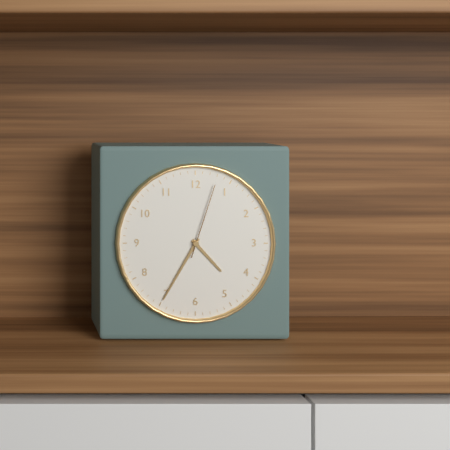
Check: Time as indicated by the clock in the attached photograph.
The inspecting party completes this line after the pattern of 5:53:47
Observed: 4:35:03
